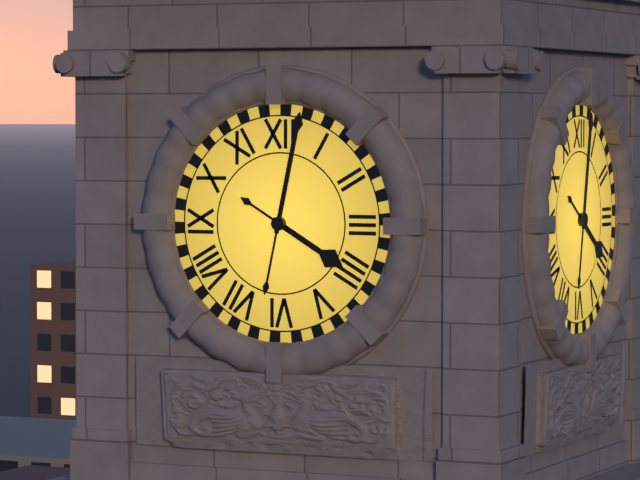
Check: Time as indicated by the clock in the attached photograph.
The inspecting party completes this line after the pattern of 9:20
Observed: 4:02
